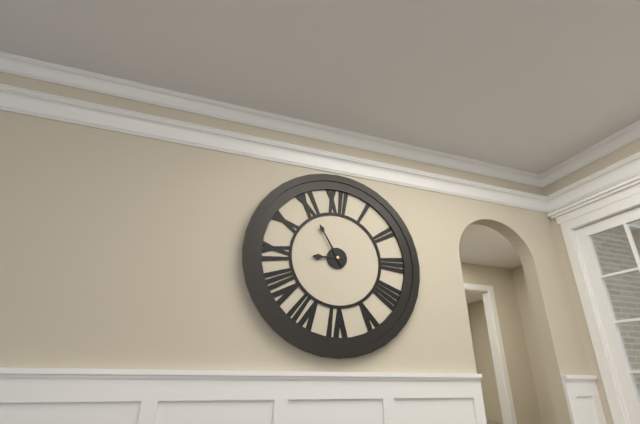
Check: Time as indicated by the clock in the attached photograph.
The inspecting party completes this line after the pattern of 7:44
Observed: 8:55
